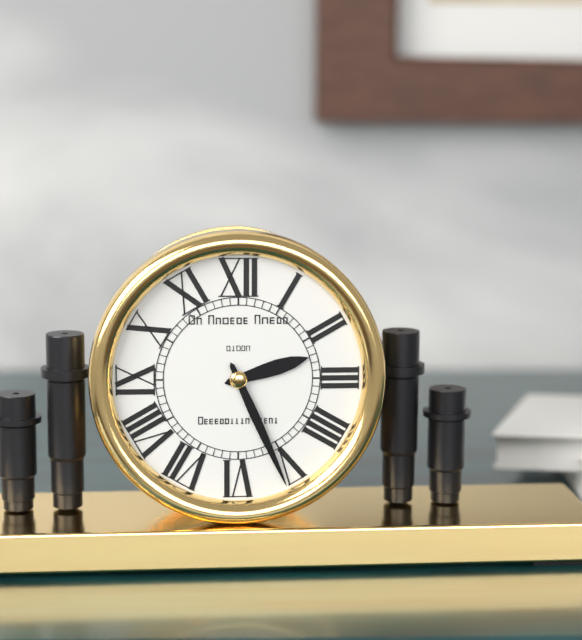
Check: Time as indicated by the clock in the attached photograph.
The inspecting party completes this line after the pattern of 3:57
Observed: 2:26
